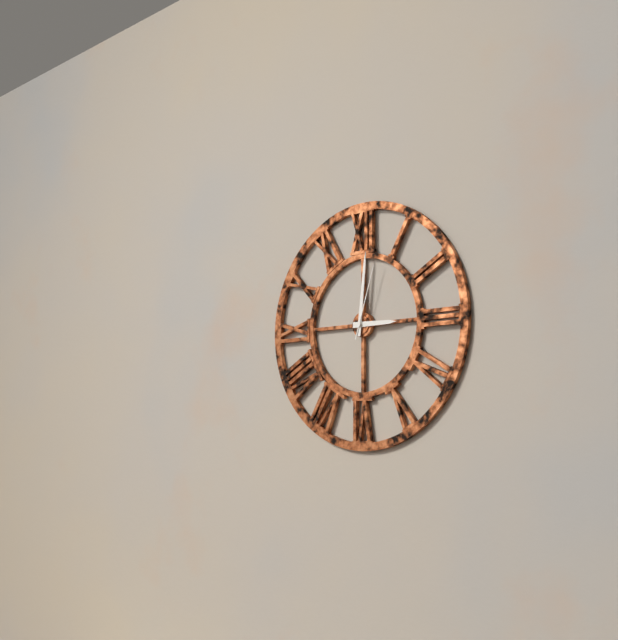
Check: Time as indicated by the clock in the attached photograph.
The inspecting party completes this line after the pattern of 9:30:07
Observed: 3:01:03
